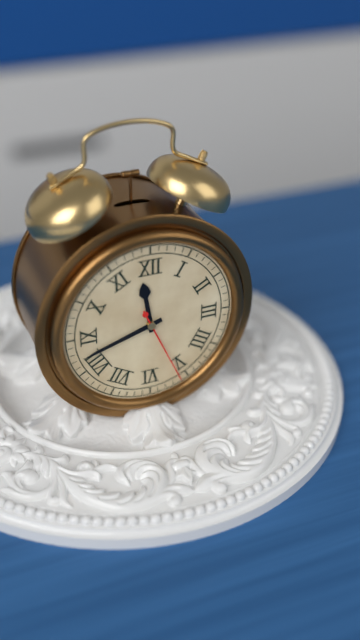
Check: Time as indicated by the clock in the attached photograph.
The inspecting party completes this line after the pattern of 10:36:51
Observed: 11:42:26
